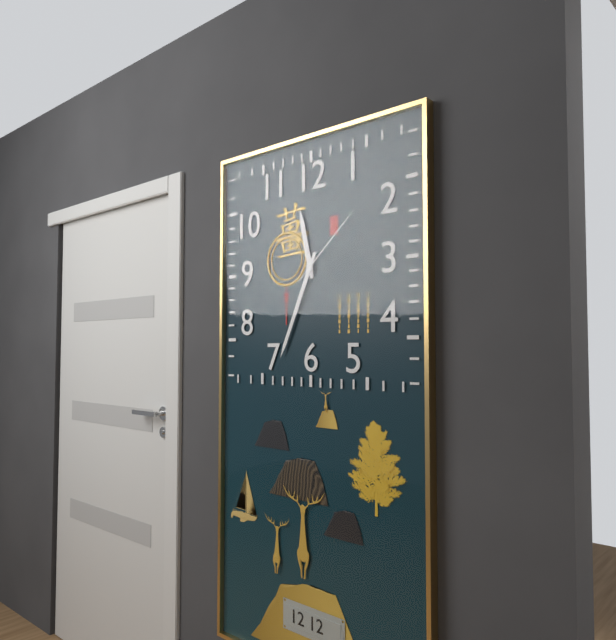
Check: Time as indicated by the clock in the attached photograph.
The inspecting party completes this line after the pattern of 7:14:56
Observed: 11:34:08
